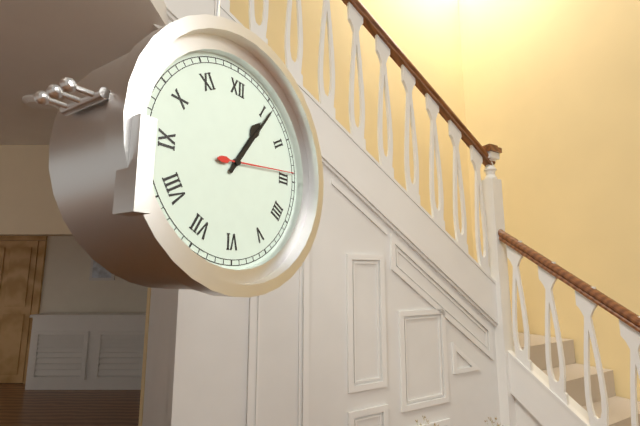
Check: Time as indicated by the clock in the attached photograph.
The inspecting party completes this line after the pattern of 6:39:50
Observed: 1:06:14
